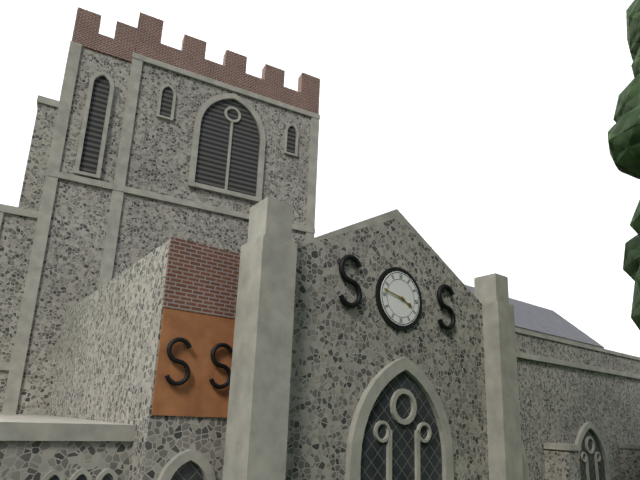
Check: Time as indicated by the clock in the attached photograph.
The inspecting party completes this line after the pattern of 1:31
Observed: 3:47
